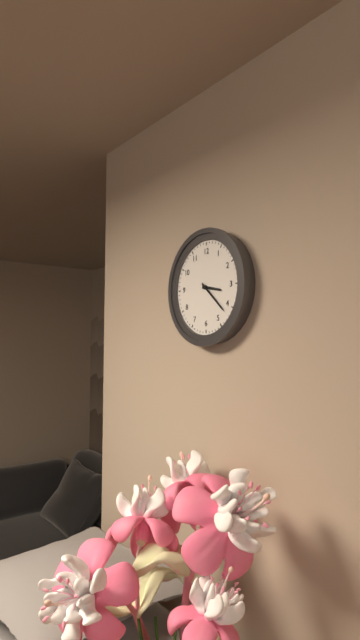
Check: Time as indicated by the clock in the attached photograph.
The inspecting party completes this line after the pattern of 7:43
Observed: 3:22
